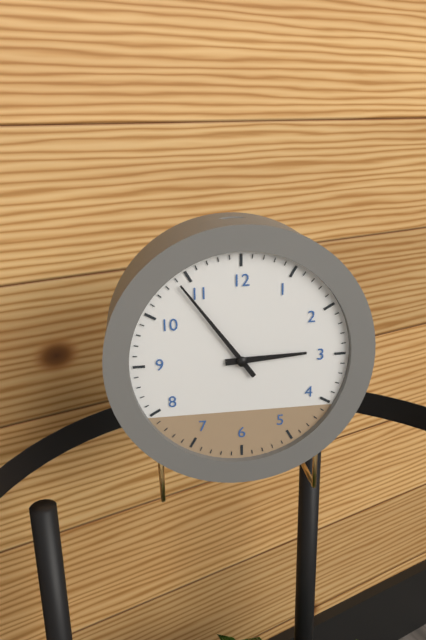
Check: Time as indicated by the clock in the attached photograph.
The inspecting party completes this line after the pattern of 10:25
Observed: 2:54
